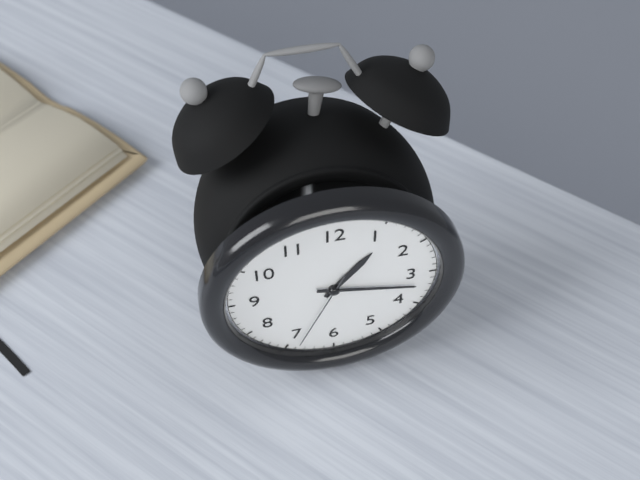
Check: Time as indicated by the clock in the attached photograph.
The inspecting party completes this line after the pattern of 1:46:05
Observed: 1:17:34
